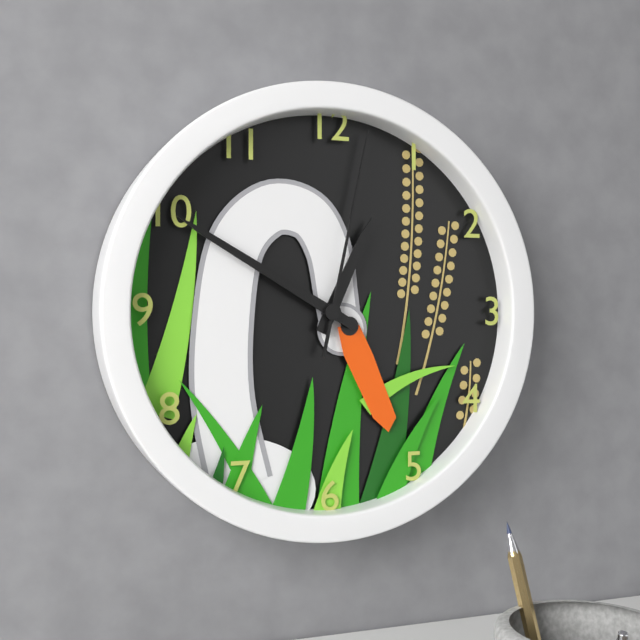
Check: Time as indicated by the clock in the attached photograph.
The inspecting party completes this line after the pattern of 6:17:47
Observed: 12:50:02
